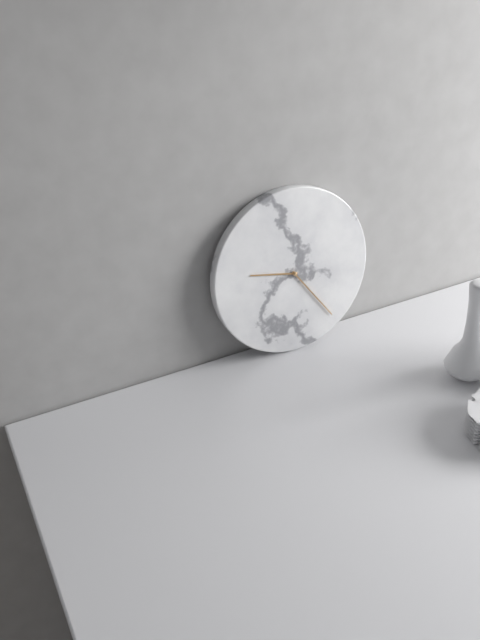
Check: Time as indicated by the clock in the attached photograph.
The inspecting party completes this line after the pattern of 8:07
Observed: 9:24
